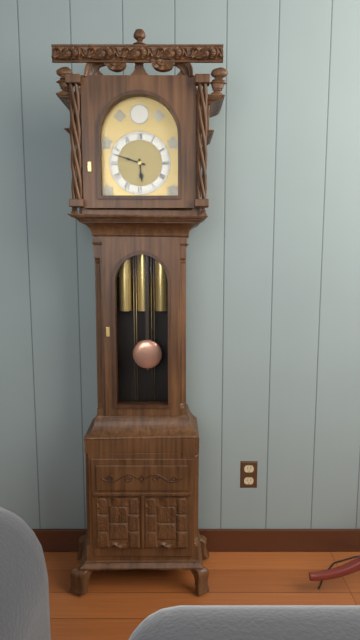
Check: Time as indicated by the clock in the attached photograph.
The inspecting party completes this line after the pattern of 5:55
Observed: 5:48
